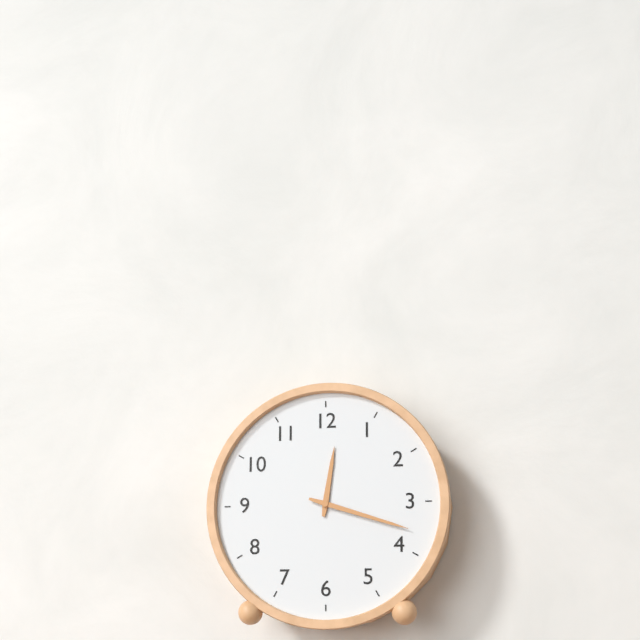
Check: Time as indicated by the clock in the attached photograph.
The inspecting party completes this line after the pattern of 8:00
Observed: 12:18
